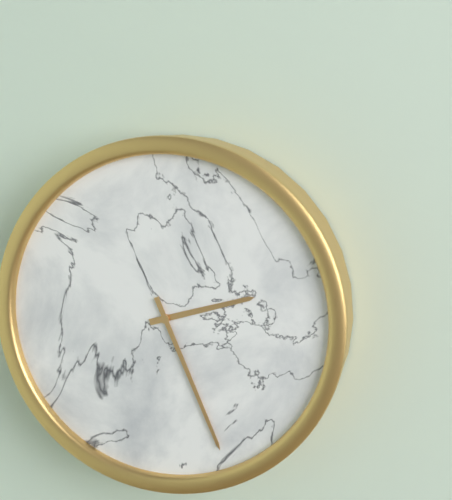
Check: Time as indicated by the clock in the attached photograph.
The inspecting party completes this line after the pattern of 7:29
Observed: 2:26
